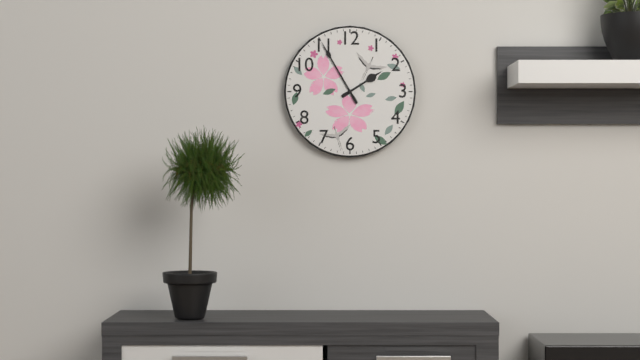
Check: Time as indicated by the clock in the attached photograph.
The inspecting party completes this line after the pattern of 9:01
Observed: 1:55
